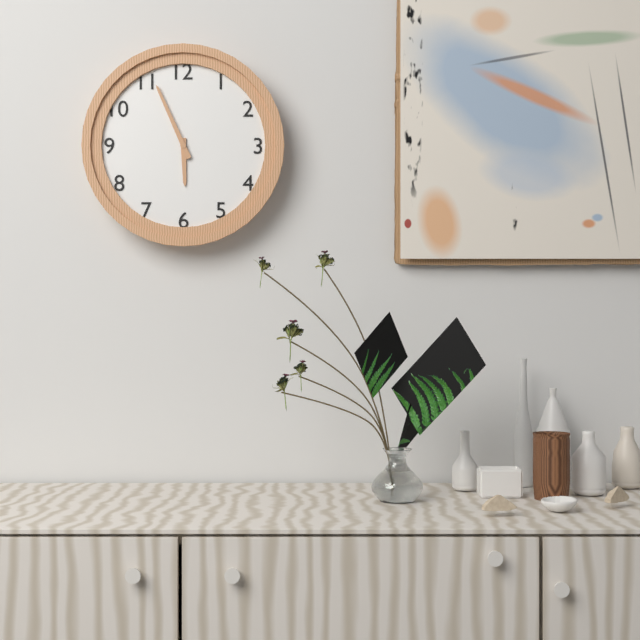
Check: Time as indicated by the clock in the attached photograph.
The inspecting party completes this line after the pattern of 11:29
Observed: 5:56
